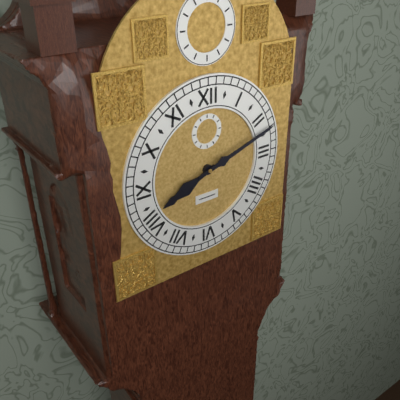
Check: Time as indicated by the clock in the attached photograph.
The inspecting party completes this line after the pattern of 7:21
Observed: 8:12
